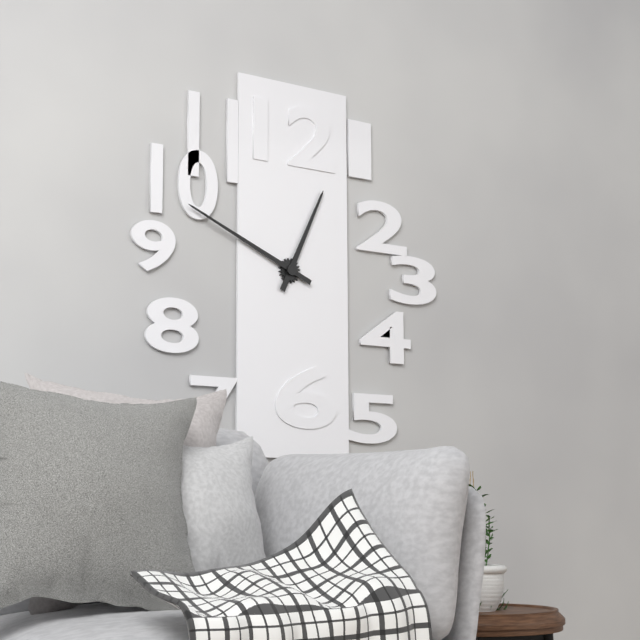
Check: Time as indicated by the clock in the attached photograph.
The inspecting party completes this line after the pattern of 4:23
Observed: 12:49
